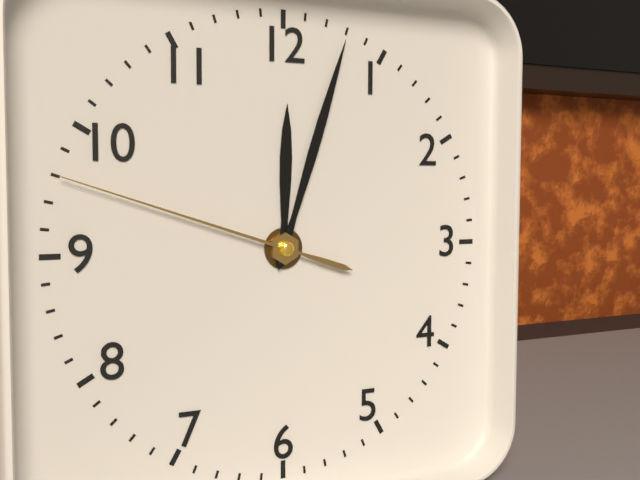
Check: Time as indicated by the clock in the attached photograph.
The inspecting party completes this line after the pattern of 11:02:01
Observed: 12:03:48
